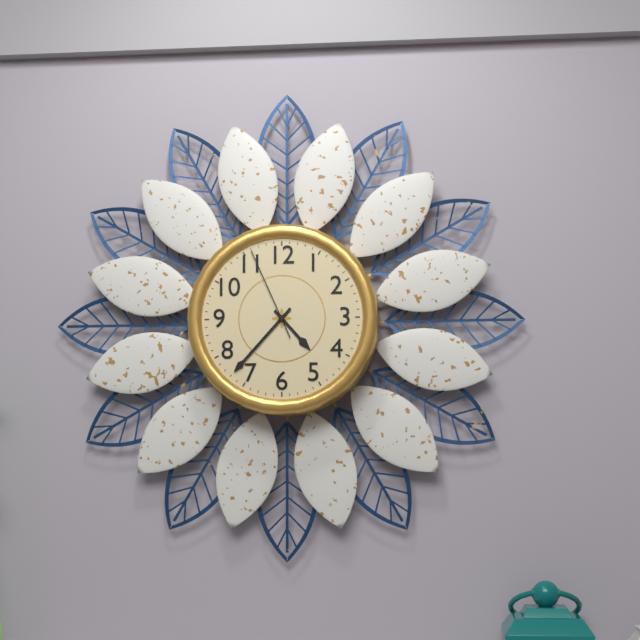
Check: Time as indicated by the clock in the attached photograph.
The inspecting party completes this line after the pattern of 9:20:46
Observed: 4:37:56
